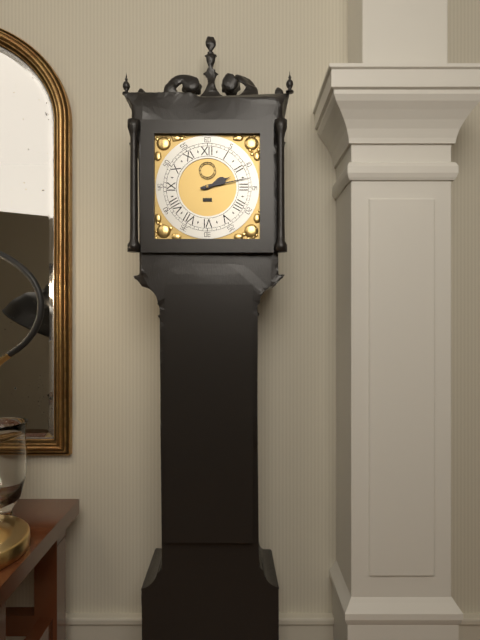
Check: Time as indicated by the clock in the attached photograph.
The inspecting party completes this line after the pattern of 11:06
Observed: 2:13
